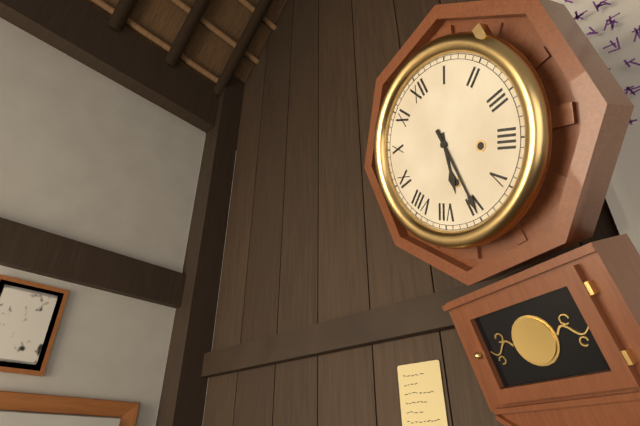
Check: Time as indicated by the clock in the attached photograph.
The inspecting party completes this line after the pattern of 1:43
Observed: 6:30
